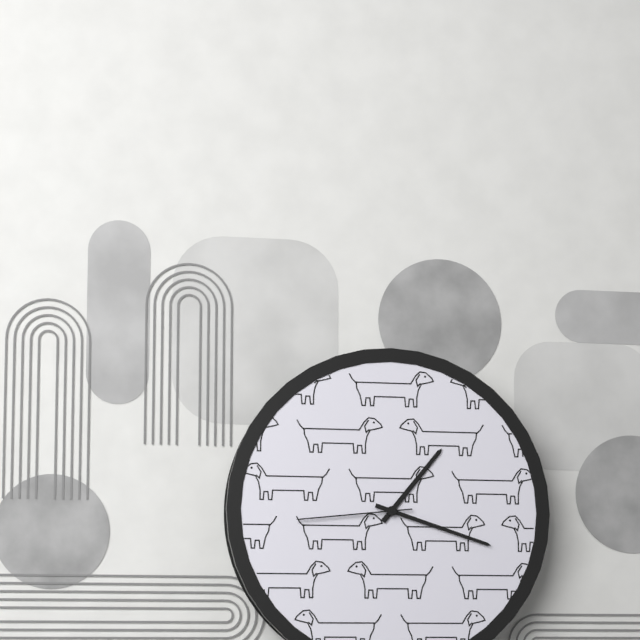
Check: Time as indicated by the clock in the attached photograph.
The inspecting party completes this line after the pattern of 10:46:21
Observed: 1:18:44
